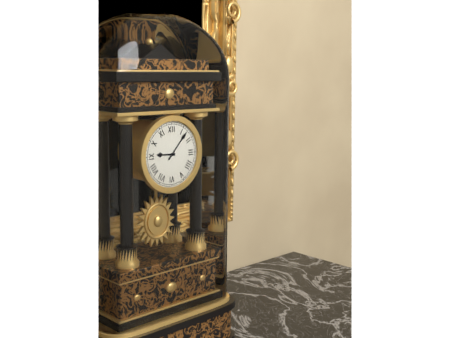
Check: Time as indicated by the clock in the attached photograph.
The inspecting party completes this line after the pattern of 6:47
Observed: 9:07
